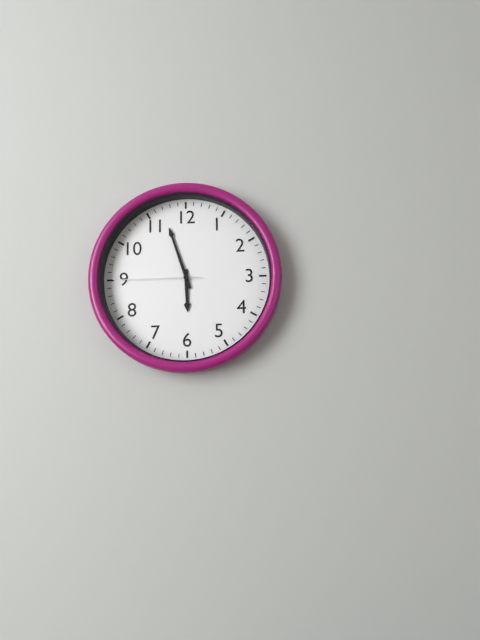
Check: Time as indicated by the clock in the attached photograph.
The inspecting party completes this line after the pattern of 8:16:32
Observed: 5:57:45
